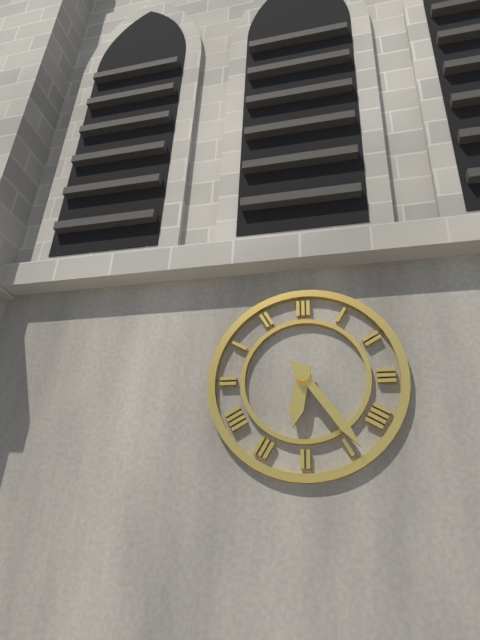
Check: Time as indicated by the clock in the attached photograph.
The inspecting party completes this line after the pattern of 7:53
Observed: 6:24
